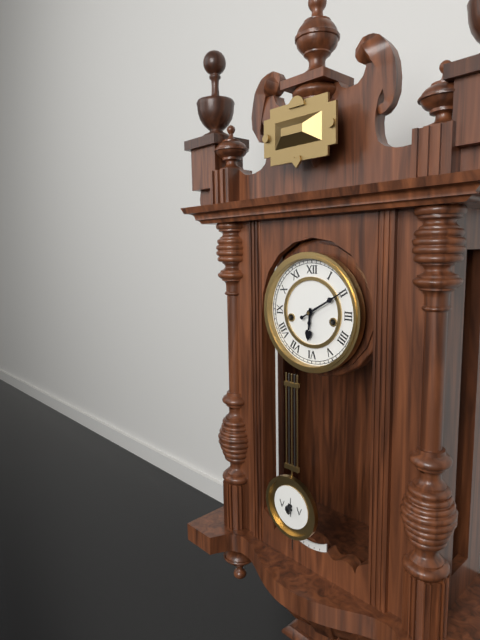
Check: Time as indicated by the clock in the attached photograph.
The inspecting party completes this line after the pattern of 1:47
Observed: 6:10
